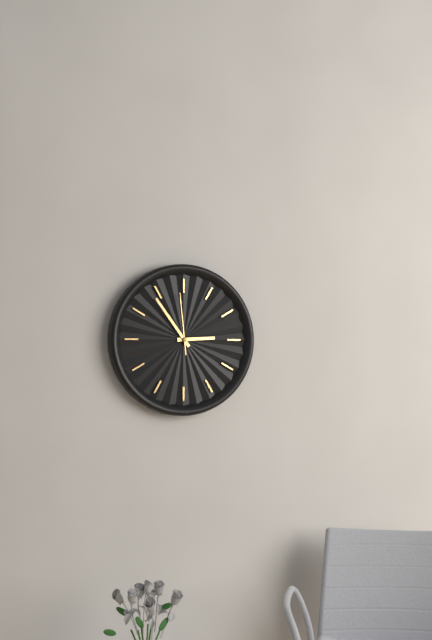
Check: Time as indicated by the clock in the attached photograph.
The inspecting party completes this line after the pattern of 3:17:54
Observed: 2:54:59
